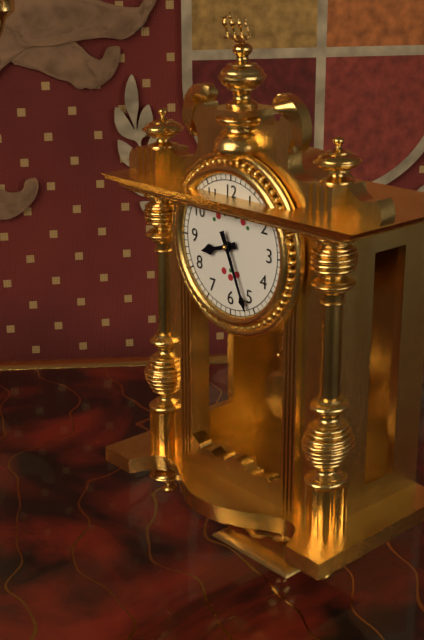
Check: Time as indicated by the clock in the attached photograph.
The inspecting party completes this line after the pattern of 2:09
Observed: 8:26
